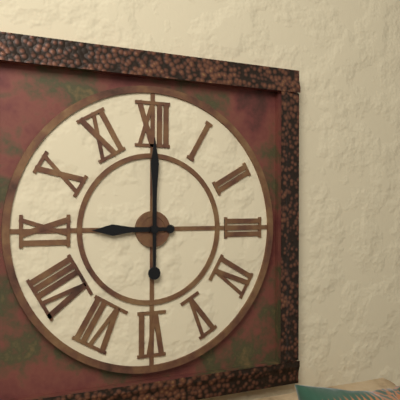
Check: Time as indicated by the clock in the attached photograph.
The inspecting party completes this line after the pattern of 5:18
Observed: 9:00
